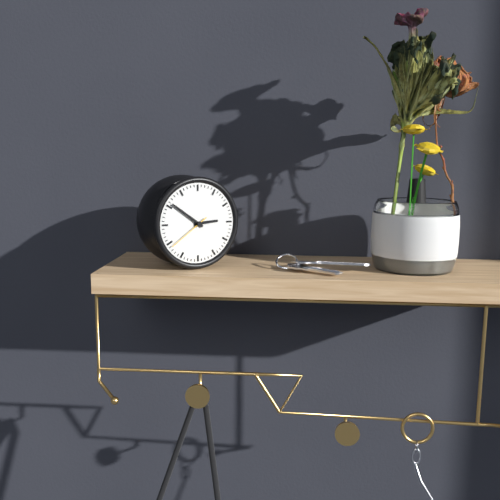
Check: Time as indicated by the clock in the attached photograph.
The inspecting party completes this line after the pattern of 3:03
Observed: 2:51
